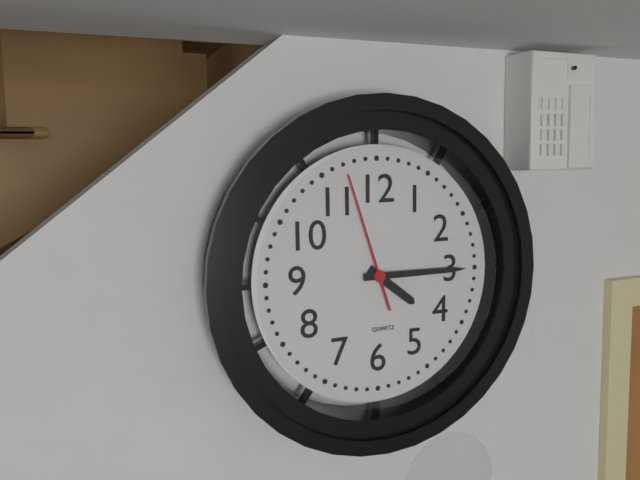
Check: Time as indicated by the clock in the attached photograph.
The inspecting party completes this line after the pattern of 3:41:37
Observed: 4:15:57
